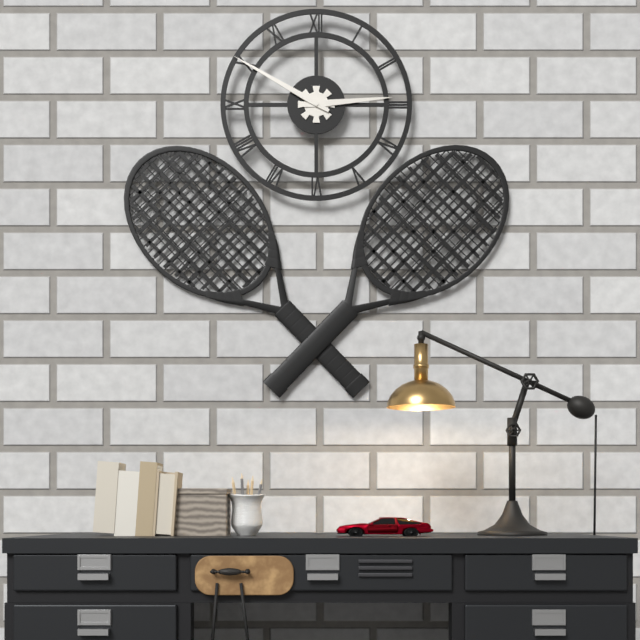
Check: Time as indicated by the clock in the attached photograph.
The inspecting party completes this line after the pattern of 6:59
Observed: 2:50
